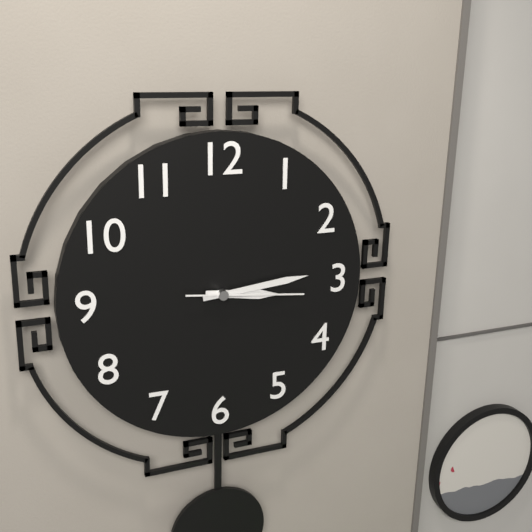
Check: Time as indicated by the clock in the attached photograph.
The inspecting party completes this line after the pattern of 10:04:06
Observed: 3:14:16
